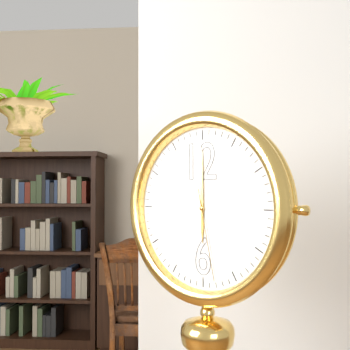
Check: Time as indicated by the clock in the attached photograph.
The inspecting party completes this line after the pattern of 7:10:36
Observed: 6:00:28
